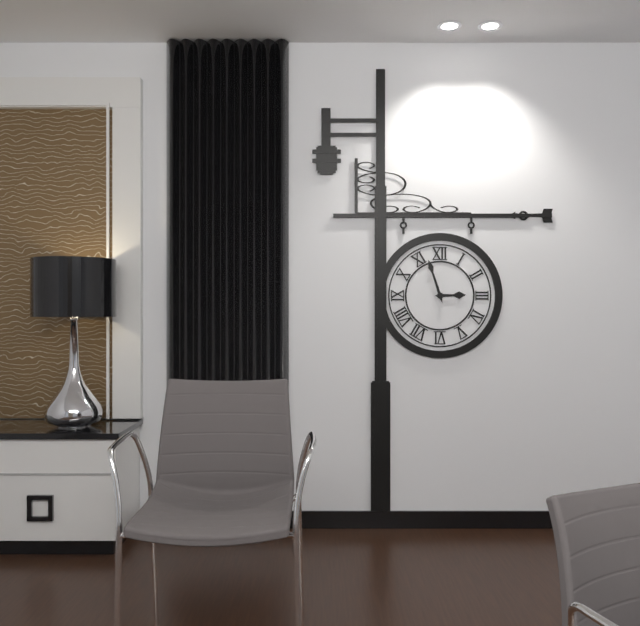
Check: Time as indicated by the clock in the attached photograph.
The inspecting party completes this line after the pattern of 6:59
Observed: 2:57
